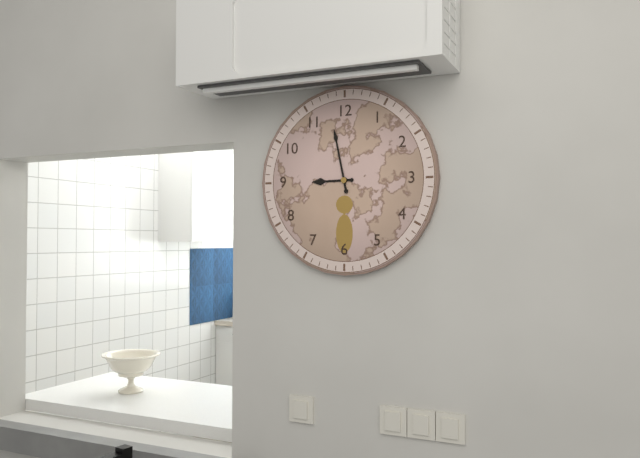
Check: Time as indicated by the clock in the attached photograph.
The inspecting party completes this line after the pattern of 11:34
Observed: 8:58
